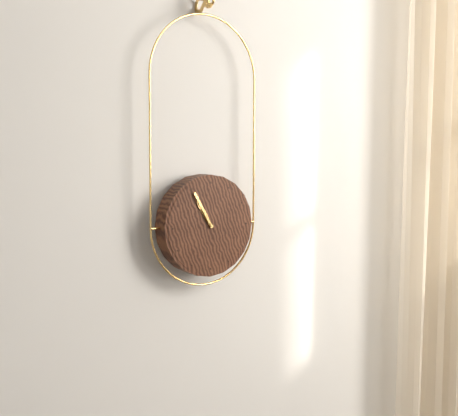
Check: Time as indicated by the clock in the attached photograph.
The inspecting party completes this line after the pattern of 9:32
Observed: 10:55
